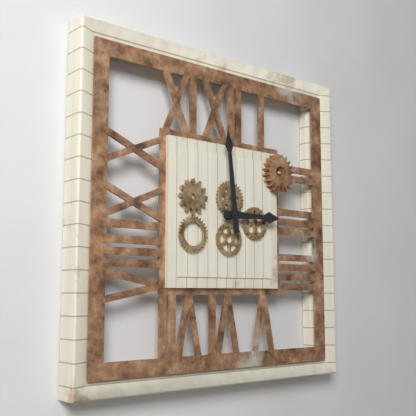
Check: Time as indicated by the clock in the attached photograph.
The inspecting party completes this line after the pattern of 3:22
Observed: 2:59
